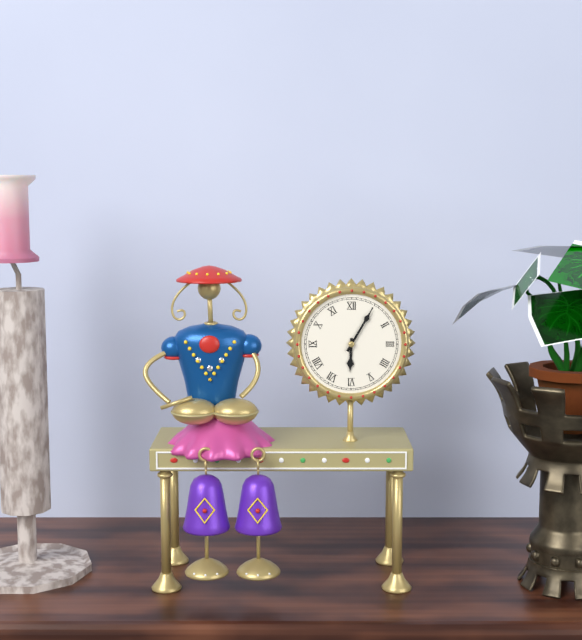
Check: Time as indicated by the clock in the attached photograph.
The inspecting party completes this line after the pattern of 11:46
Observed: 6:05
